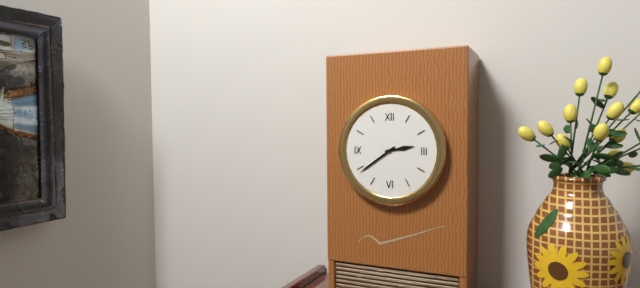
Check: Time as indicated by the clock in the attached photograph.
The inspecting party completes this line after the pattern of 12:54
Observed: 2:39
